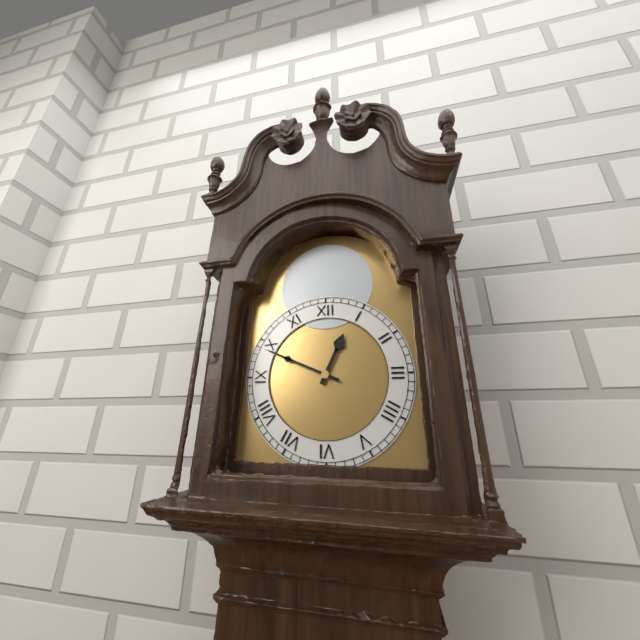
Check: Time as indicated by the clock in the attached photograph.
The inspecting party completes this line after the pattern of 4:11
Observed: 12:49
